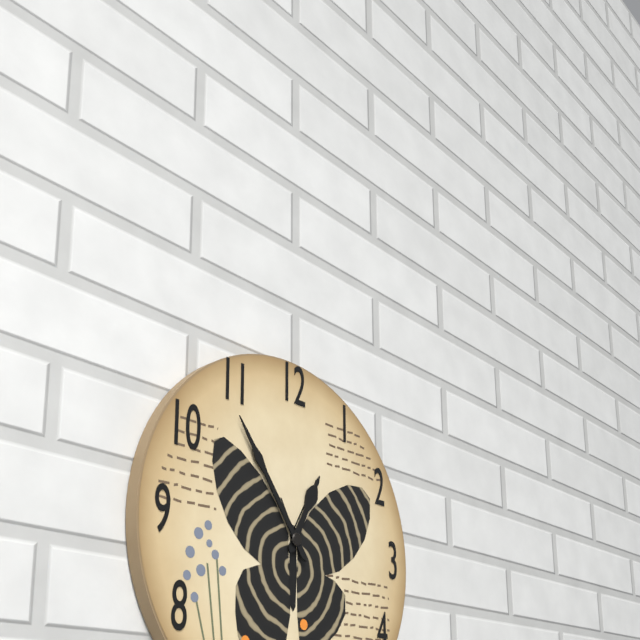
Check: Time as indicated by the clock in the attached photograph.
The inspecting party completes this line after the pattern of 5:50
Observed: 12:54
